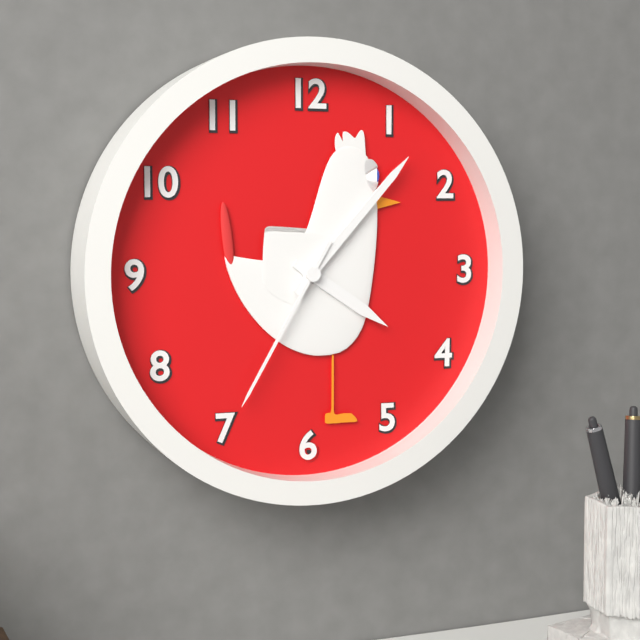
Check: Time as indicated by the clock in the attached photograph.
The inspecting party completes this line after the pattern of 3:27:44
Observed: 4:07:35
